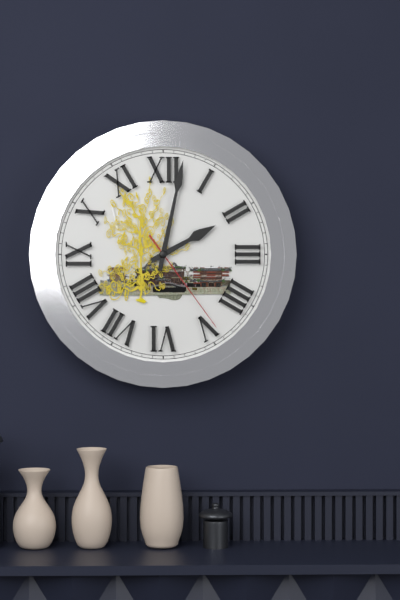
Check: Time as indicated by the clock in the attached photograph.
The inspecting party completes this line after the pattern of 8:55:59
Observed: 2:02:24
